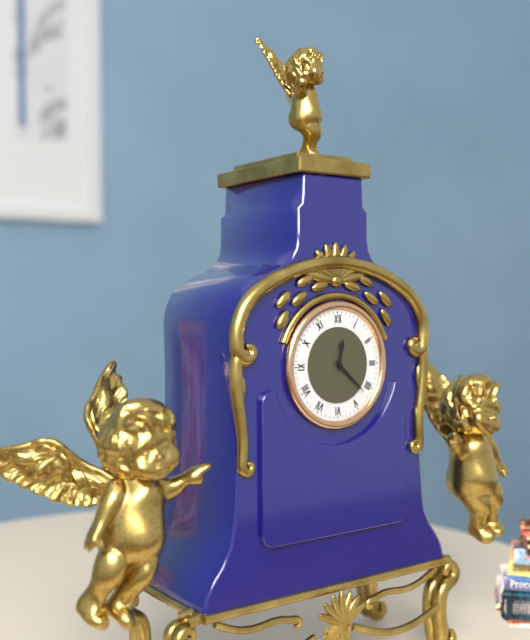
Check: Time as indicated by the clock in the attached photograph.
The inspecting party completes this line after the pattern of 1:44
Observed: 12:22
